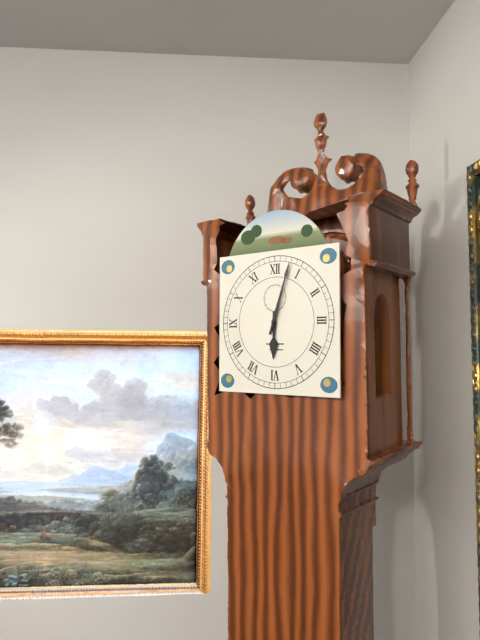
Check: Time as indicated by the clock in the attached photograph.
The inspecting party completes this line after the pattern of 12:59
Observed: 6:03
